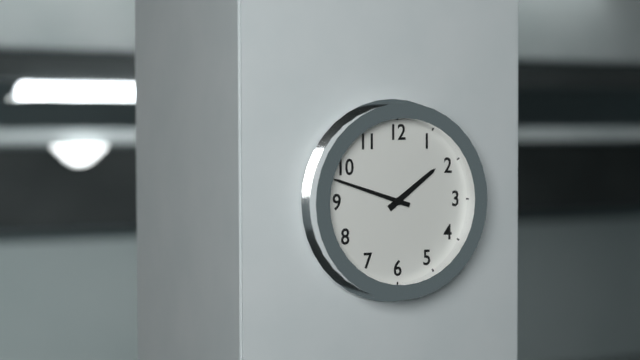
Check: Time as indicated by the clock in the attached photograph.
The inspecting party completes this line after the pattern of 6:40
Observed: 1:48
